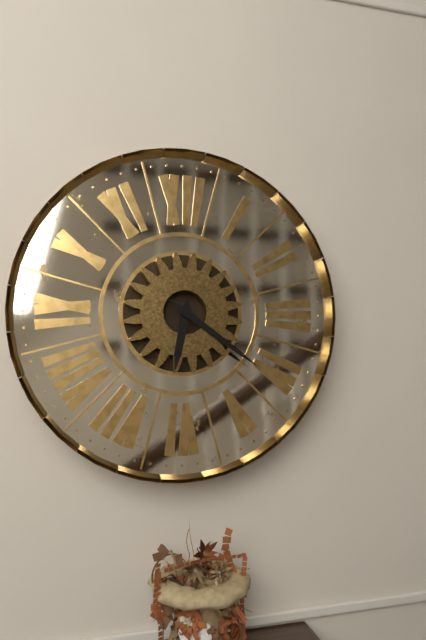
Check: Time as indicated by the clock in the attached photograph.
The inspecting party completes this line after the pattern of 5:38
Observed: 6:21
